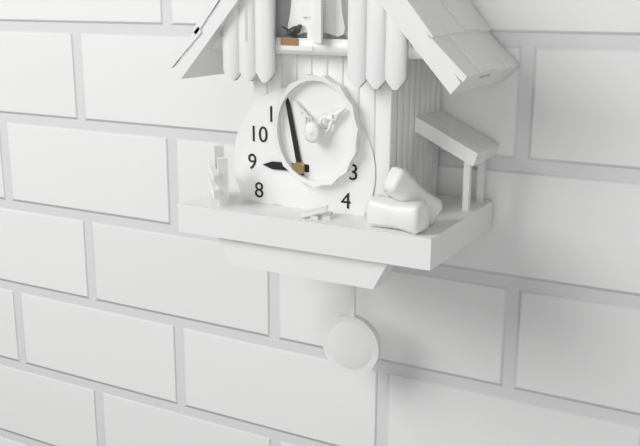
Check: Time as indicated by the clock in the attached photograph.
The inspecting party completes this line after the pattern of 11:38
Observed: 8:58
